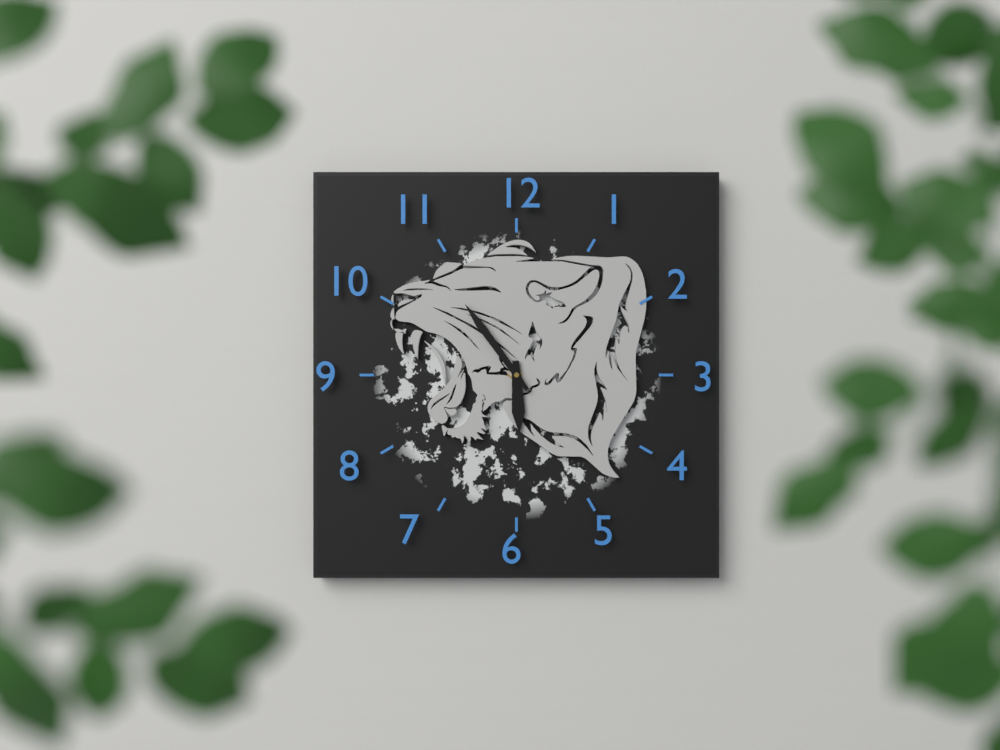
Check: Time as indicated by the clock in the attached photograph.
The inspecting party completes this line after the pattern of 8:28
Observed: 5:54
